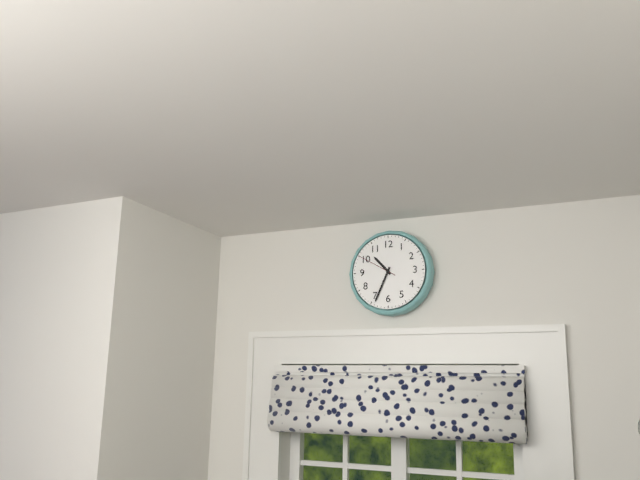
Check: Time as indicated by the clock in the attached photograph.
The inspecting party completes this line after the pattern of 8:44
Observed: 10:34
